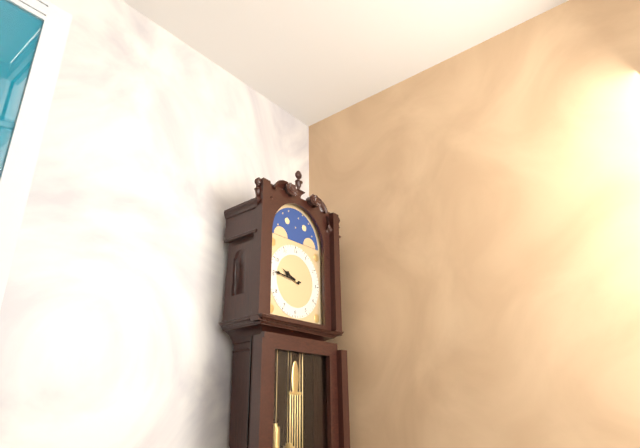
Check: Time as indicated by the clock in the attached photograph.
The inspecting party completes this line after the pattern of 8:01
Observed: 9:46
